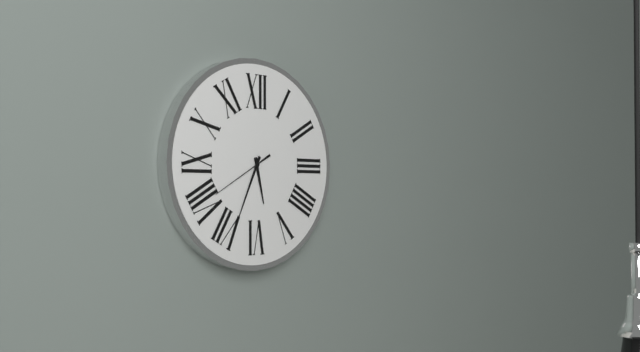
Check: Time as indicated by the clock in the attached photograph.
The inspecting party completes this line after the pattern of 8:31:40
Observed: 5:34:40
